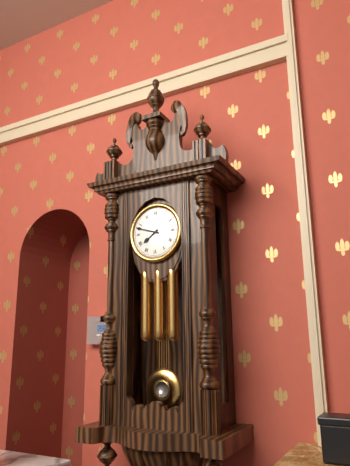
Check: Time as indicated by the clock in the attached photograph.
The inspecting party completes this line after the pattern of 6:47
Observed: 7:48
